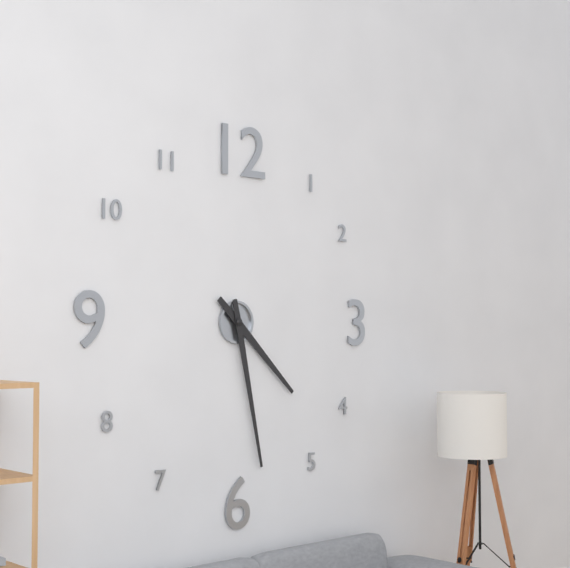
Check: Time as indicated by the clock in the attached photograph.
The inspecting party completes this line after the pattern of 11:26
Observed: 4:28
